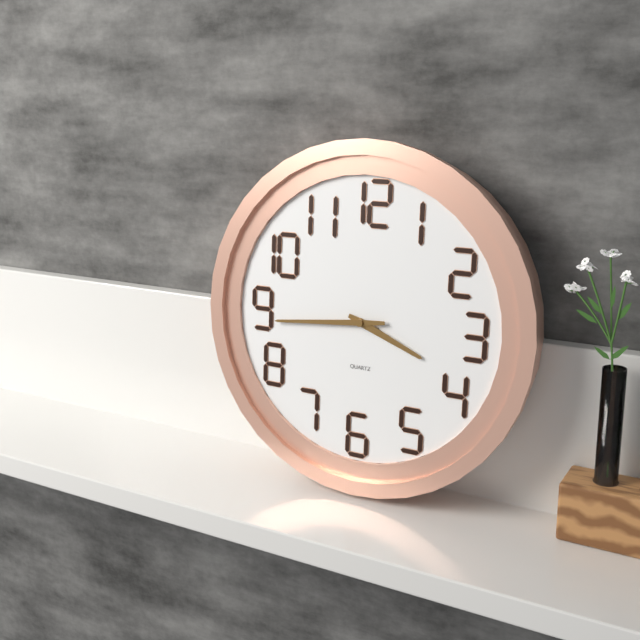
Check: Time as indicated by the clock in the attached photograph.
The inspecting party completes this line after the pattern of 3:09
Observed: 3:44
